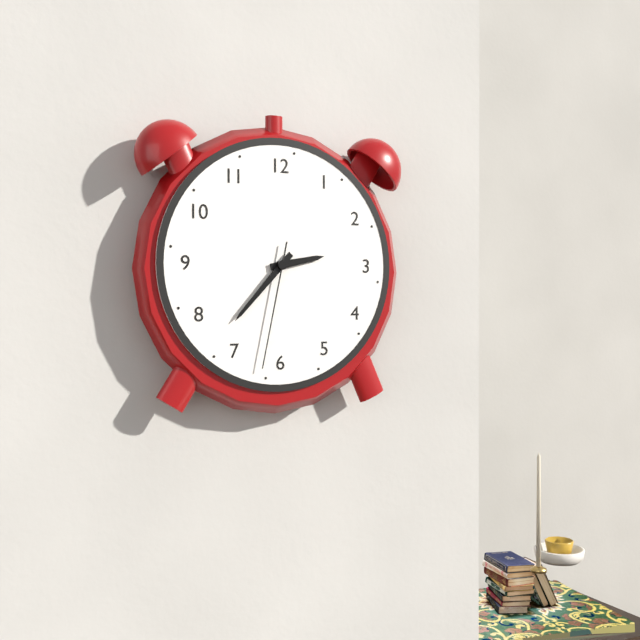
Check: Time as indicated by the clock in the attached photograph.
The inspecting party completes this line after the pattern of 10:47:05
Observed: 2:37:32
